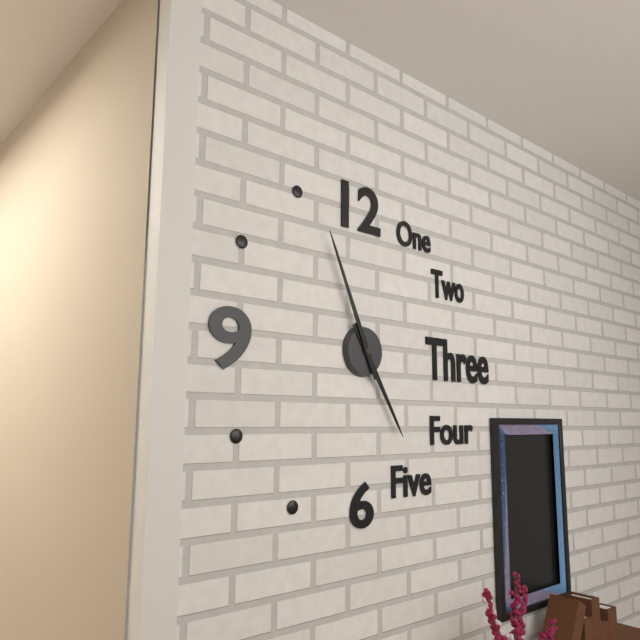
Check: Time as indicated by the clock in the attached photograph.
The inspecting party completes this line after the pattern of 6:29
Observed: 4:56
